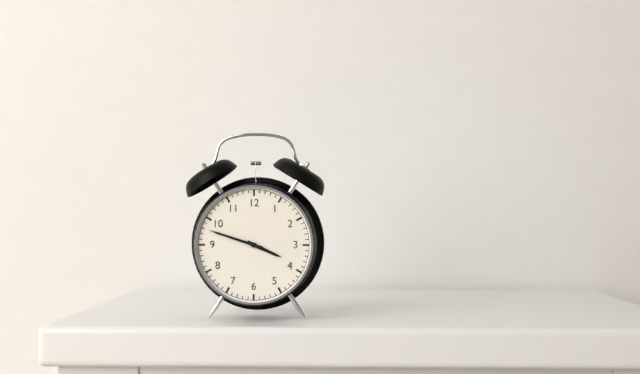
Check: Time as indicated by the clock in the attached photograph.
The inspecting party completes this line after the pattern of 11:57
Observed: 3:48
